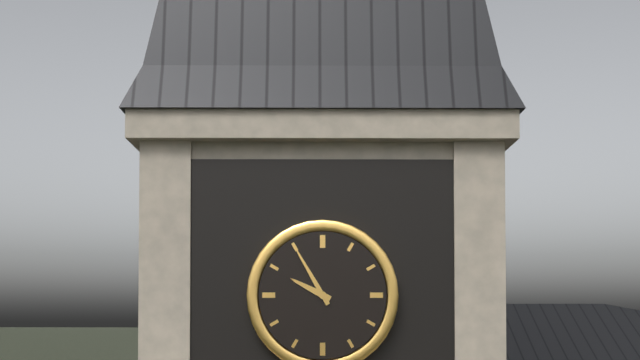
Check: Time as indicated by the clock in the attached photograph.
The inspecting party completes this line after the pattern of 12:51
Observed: 9:55
